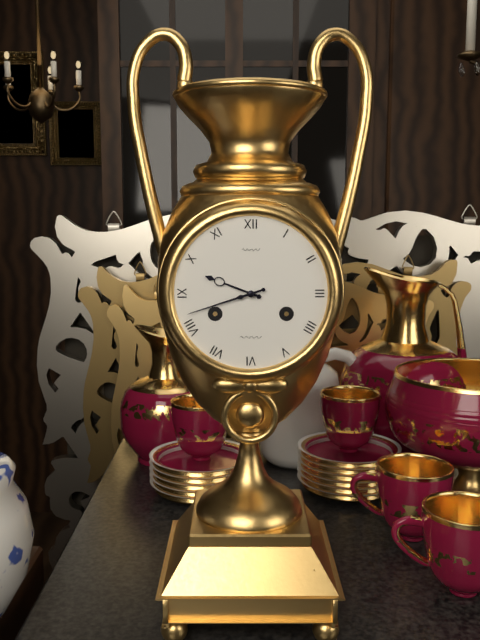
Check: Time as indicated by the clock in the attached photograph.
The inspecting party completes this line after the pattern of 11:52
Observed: 9:42
